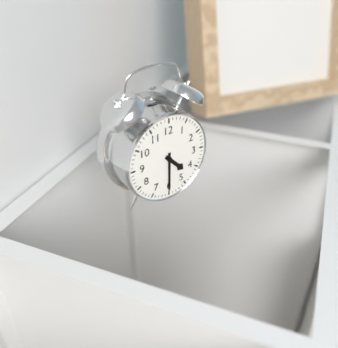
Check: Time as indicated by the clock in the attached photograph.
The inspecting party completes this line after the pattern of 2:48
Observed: 4:30
